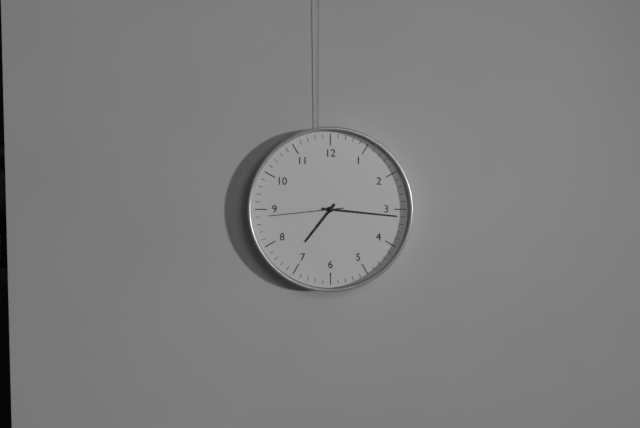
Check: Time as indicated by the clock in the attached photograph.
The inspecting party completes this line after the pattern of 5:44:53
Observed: 7:16:44
